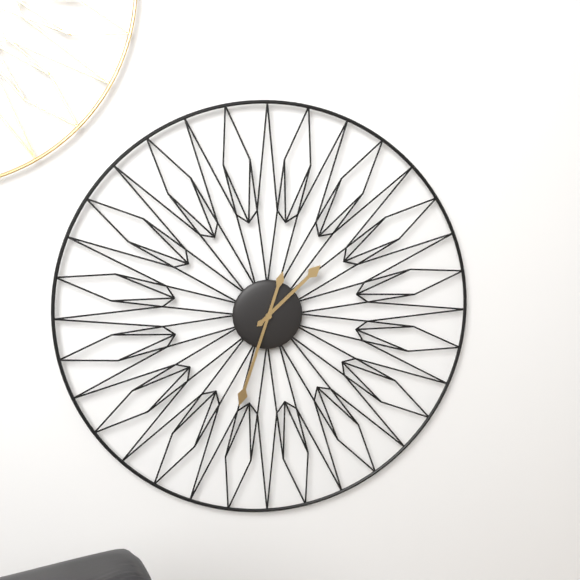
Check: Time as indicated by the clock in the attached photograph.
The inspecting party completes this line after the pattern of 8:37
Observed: 1:33
